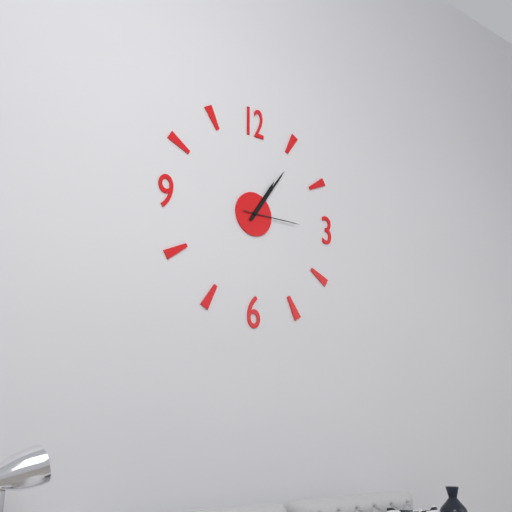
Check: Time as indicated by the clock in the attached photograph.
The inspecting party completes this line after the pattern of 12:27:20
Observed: 1:06:15
